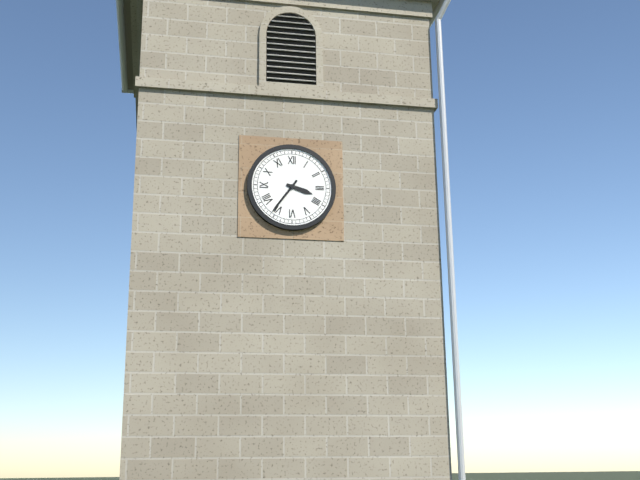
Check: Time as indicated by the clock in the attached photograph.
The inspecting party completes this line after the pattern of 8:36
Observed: 3:36
